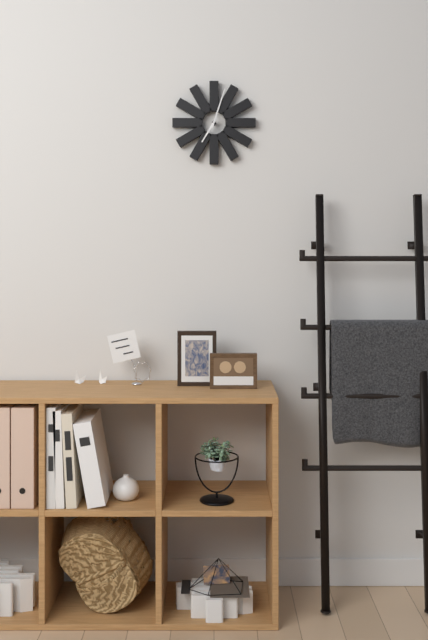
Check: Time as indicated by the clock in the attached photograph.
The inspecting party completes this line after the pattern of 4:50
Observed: 7:03
